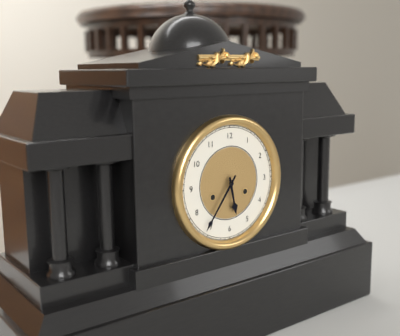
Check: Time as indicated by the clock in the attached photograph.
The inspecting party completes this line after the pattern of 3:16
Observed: 5:36
